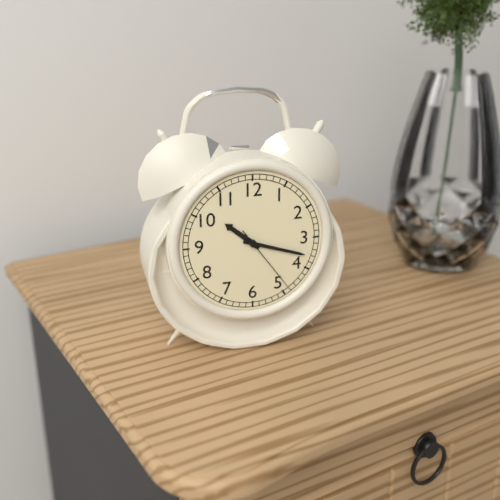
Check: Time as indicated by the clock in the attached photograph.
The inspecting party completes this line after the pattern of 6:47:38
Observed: 10:18:24
